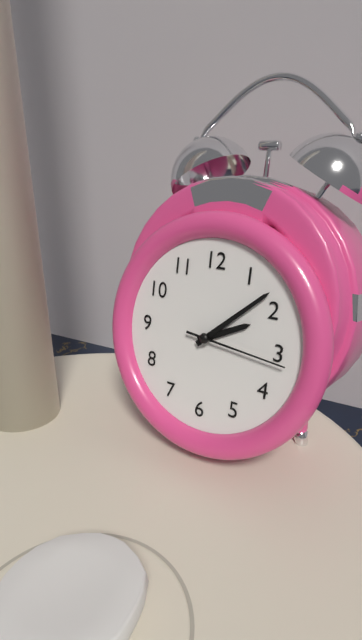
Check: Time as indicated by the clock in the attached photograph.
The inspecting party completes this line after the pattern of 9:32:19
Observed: 2:08:16
